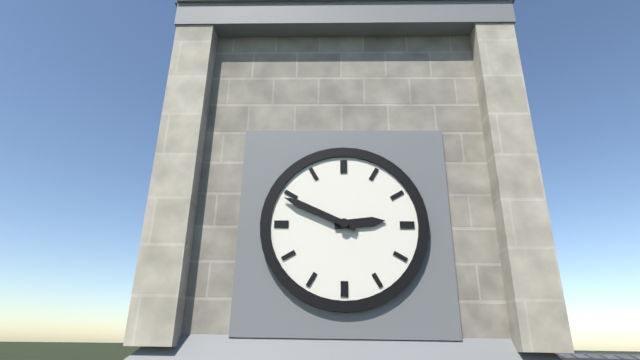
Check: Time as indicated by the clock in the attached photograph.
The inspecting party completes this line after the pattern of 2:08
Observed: 2:49
